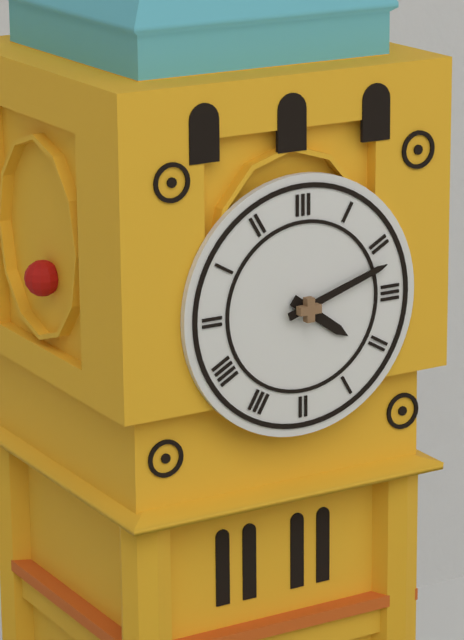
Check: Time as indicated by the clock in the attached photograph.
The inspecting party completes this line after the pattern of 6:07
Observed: 4:12
